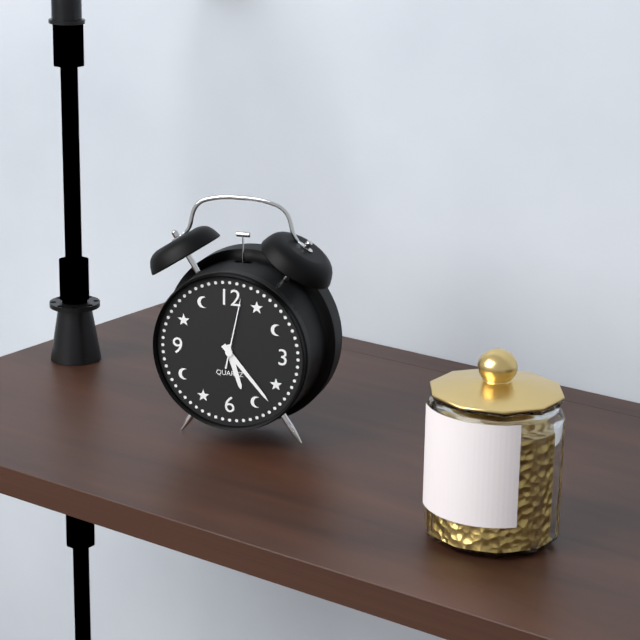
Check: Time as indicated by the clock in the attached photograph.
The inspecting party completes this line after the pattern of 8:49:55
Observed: 5:23:02
